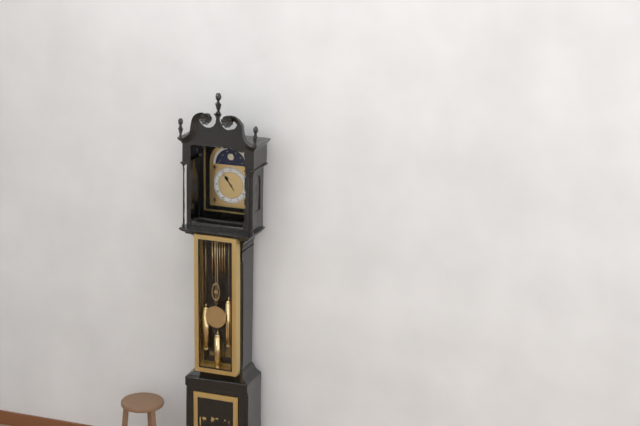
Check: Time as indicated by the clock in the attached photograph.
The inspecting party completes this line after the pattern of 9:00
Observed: 10:54
